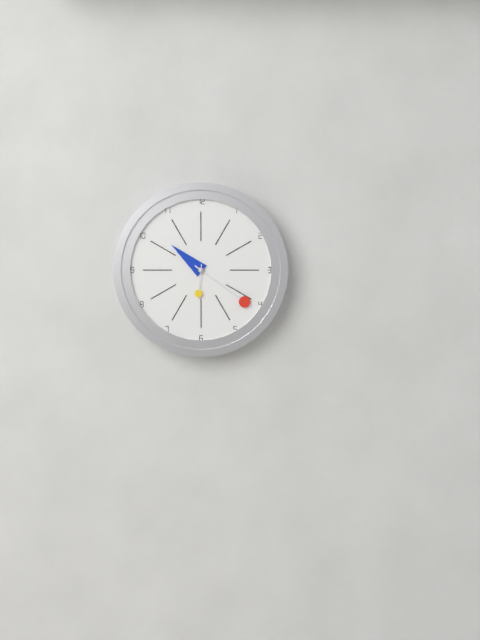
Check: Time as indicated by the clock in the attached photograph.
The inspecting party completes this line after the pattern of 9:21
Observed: 10:21
